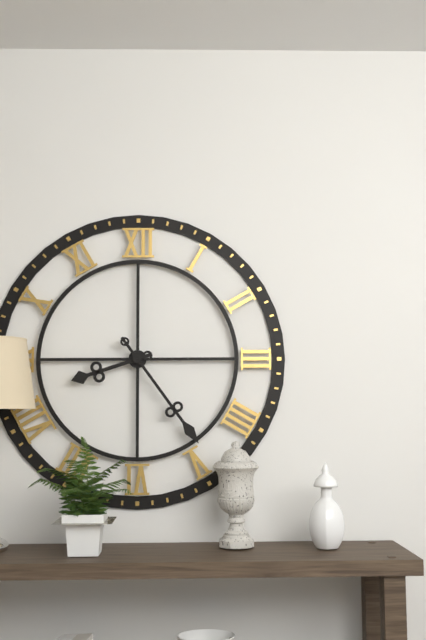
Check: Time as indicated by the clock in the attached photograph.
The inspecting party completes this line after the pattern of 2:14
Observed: 8:24
